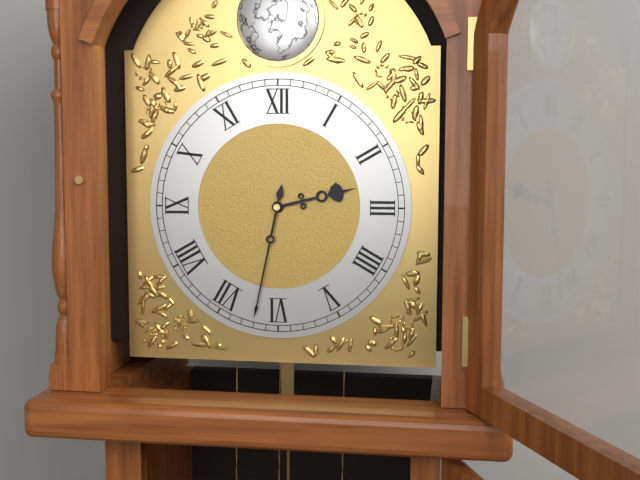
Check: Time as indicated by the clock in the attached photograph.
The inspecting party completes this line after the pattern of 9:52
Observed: 2:32
